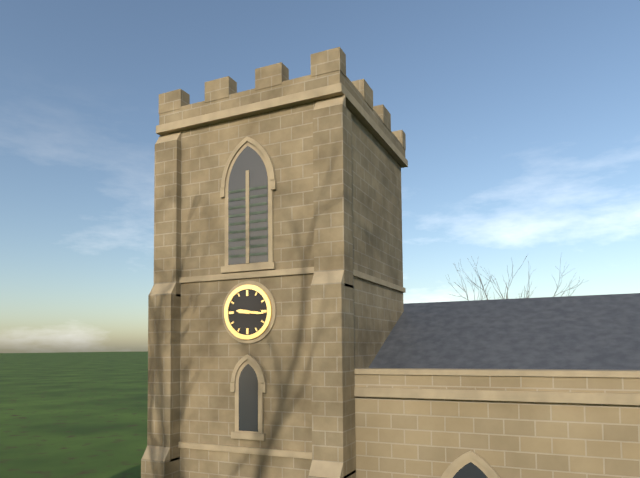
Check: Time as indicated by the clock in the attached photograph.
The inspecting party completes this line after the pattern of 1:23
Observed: 9:16
